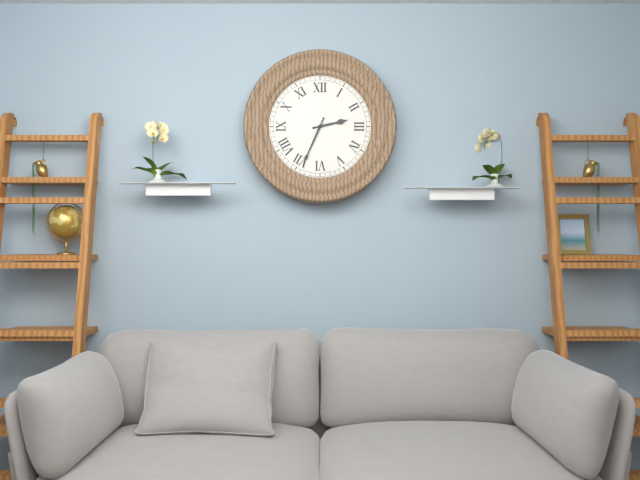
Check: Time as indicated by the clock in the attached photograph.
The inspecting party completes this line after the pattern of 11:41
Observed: 2:34
